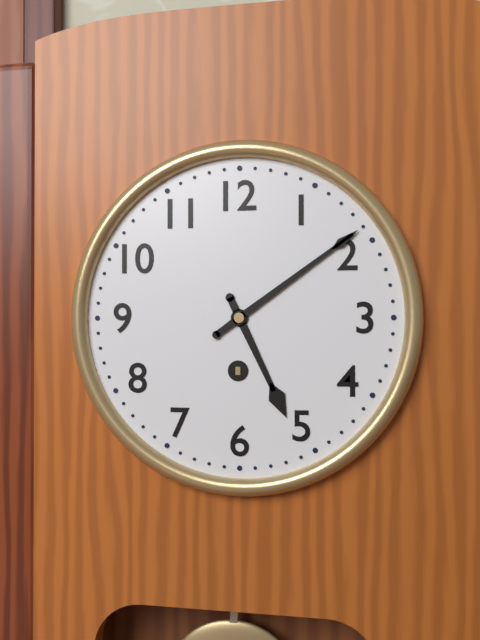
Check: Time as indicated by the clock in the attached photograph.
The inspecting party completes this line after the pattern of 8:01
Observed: 5:09
